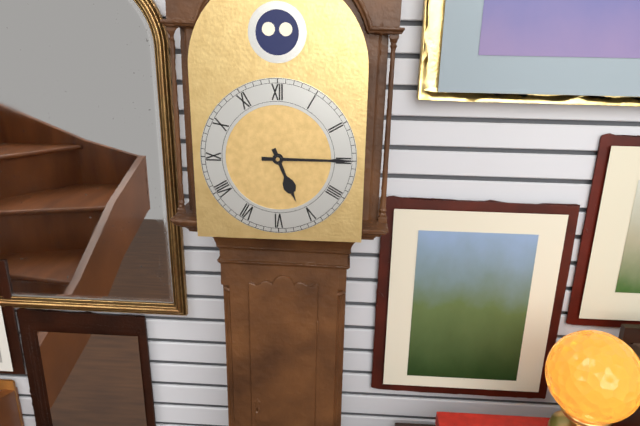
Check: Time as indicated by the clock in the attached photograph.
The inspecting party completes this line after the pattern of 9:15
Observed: 5:15
